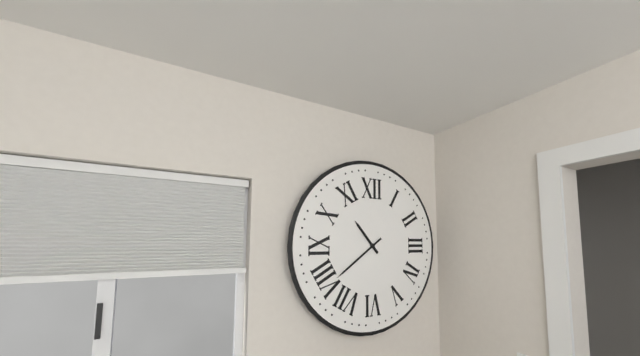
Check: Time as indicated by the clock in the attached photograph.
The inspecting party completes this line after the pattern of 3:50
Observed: 10:39
